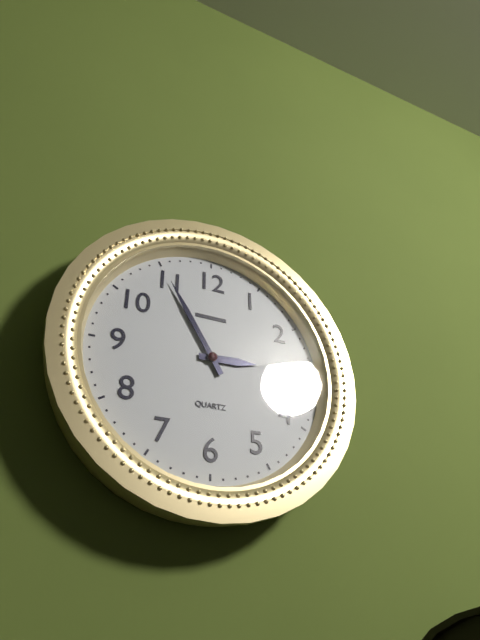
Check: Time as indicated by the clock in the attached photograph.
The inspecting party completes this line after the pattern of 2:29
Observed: 2:55
